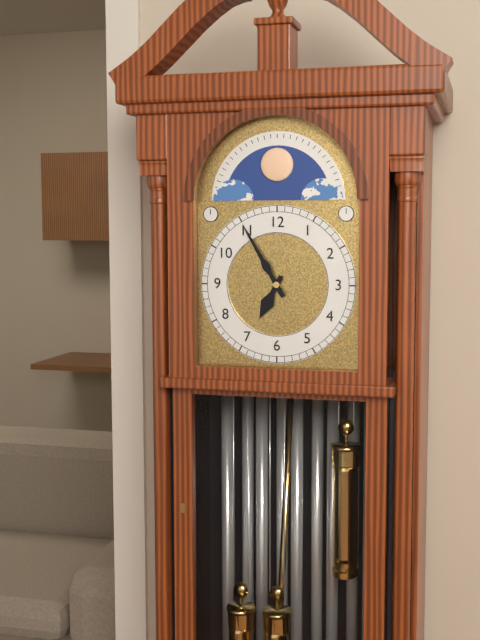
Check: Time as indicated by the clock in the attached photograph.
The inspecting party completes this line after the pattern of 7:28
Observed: 6:55
